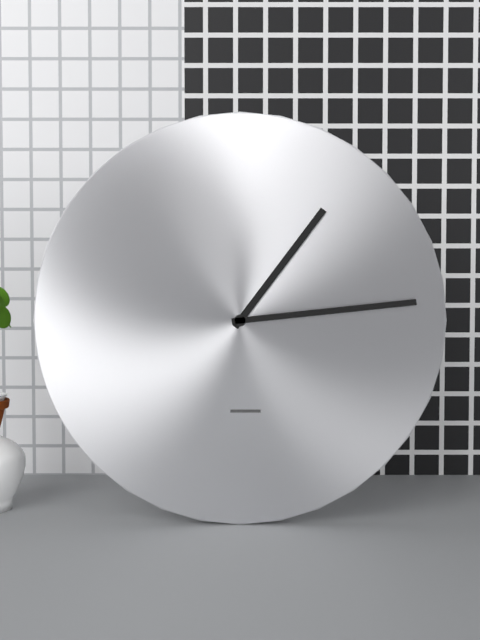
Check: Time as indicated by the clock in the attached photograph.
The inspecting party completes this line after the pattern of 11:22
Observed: 1:14
